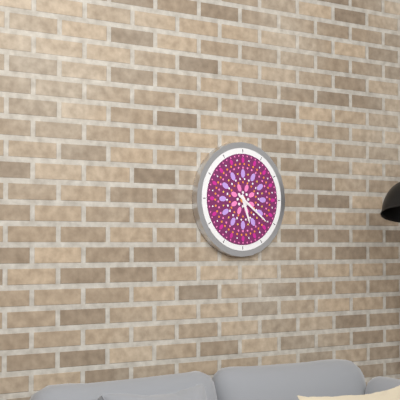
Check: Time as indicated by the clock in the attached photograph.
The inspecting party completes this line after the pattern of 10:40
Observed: 5:21
